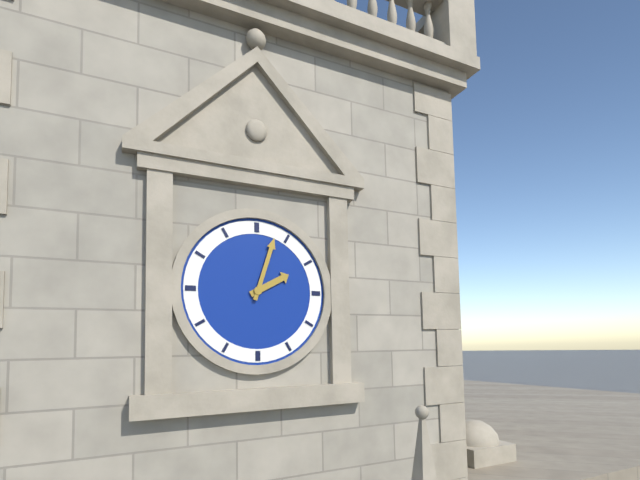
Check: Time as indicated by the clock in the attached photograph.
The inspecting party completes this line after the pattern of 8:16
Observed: 2:03
